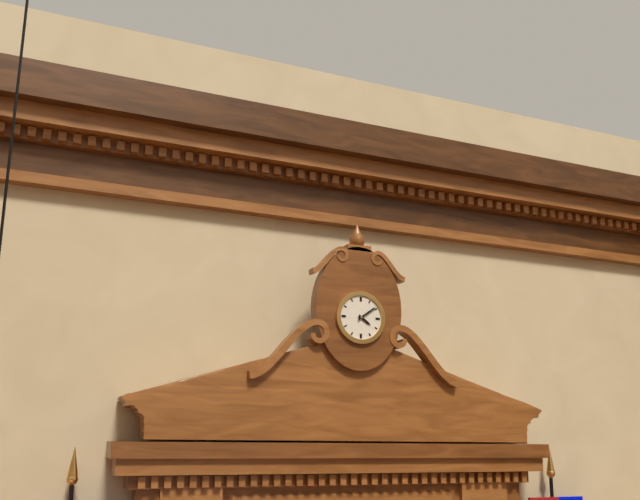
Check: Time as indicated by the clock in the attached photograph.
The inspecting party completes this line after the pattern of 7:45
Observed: 4:09
